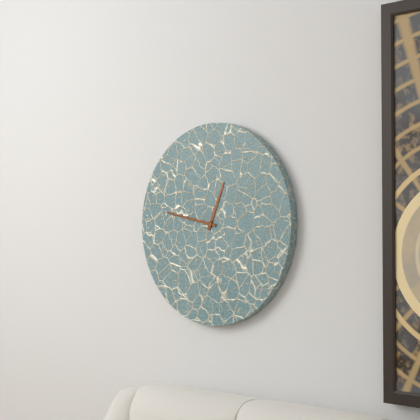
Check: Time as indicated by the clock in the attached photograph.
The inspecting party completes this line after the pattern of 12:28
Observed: 12:47
